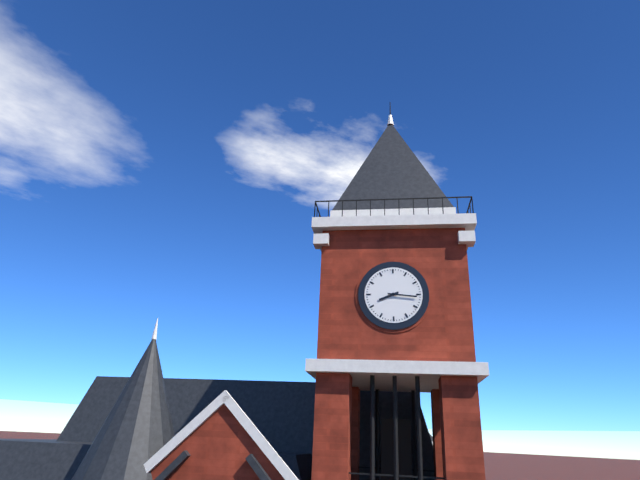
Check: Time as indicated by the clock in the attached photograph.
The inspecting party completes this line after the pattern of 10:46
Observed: 8:16
